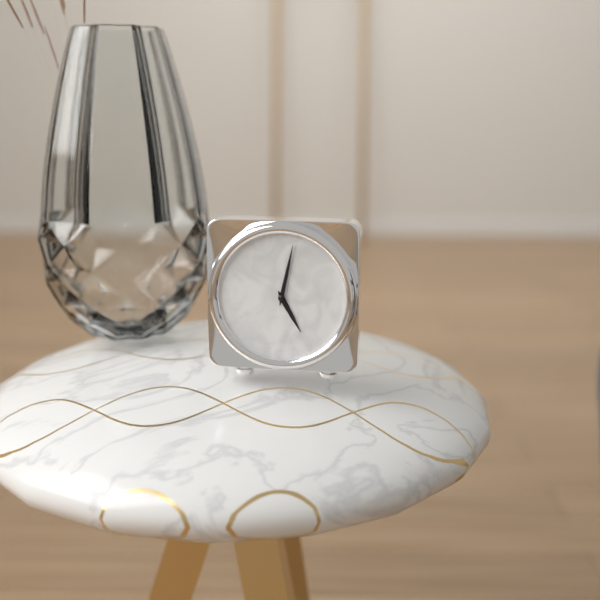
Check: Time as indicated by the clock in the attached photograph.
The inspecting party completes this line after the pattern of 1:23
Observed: 5:02
